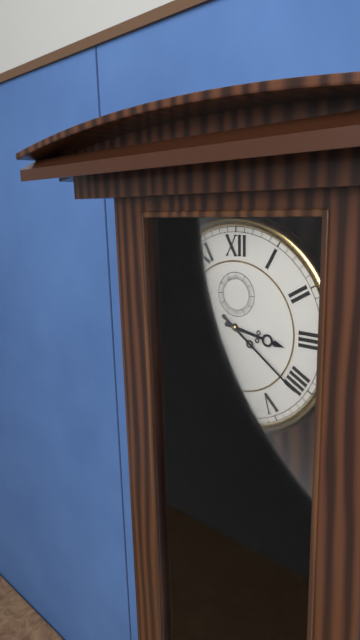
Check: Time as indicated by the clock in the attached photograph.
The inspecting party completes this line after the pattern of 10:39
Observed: 3:21
